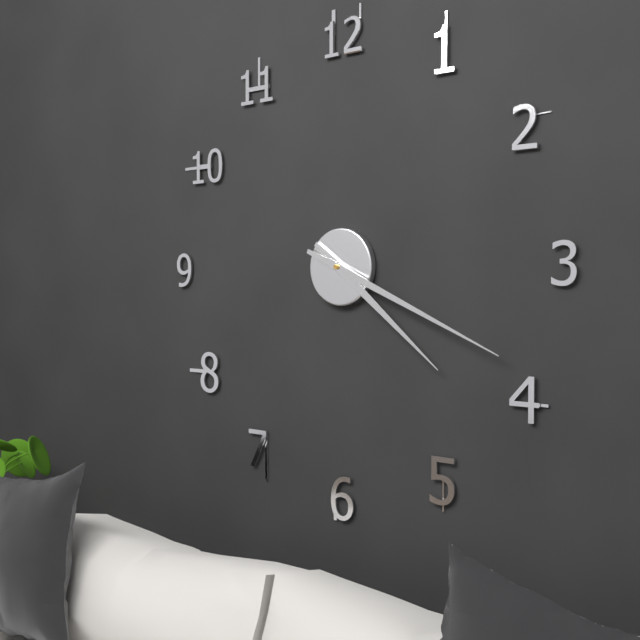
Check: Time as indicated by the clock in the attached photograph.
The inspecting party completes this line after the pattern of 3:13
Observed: 4:19
